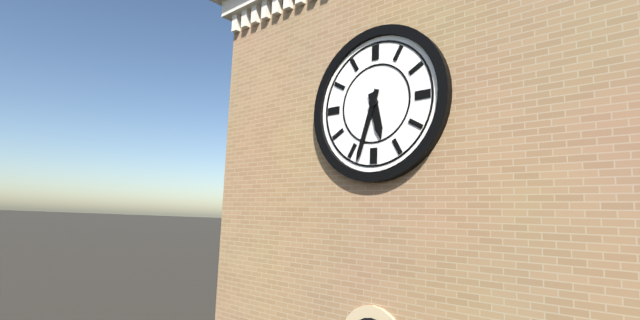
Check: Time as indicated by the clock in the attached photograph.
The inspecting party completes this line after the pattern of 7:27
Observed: 5:33
